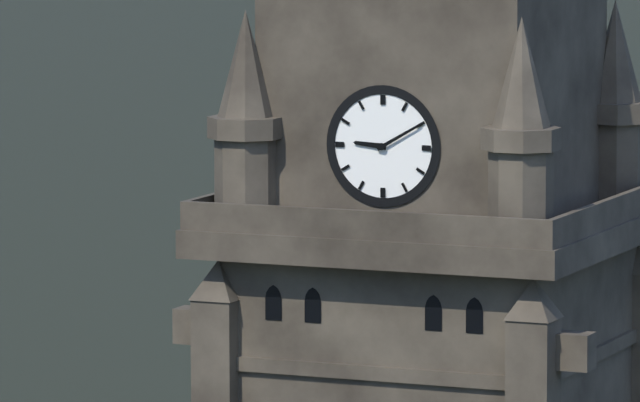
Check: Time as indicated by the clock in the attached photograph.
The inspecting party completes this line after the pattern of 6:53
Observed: 9:10
